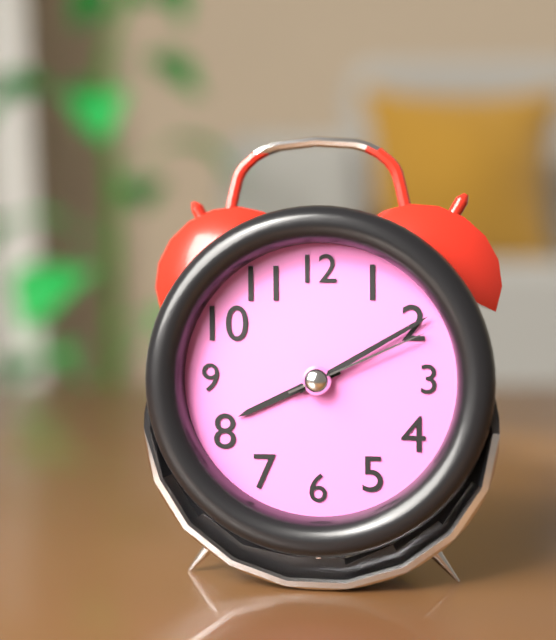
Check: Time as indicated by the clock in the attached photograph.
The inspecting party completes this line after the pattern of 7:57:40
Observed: 8:10:11
